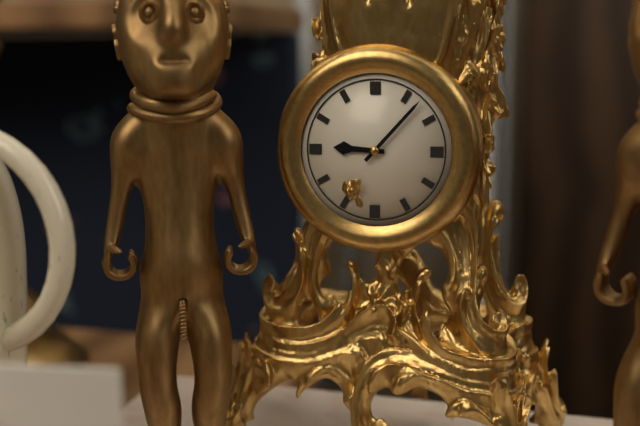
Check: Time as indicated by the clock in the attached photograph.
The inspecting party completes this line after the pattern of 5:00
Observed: 9:07
